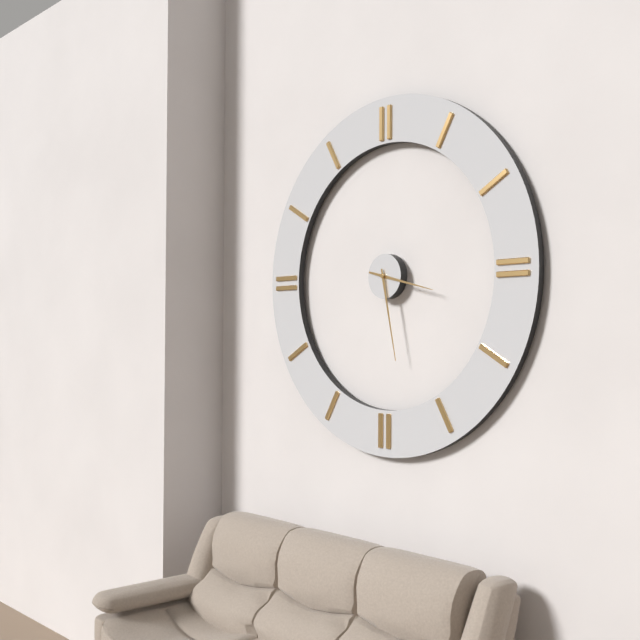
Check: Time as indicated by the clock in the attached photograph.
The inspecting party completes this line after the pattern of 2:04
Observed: 3:28
